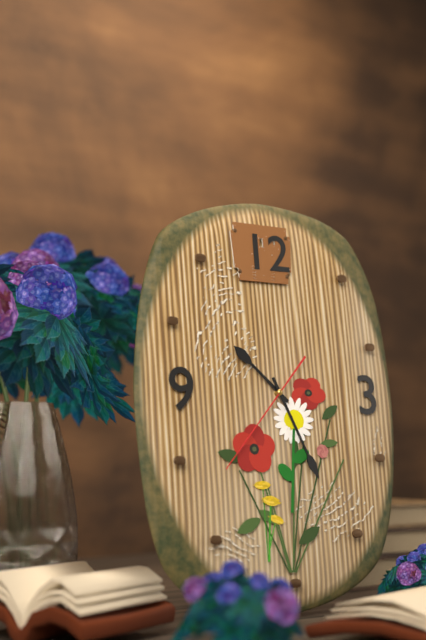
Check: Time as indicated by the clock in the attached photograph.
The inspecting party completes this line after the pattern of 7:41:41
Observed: 10:26:37
